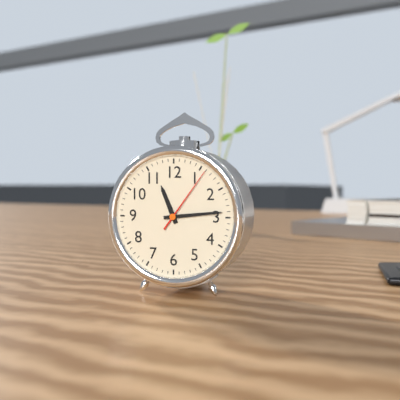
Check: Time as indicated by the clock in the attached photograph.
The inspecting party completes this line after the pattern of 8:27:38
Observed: 11:14:06
